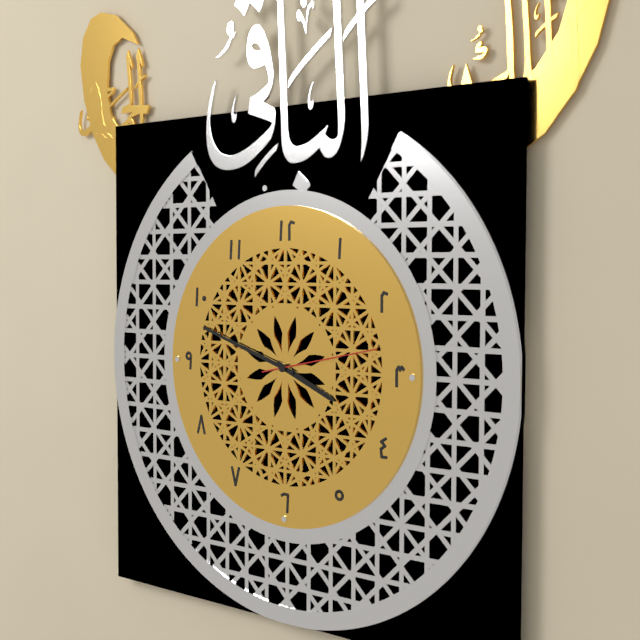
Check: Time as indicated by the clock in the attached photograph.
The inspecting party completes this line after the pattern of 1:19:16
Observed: 3:48:13
